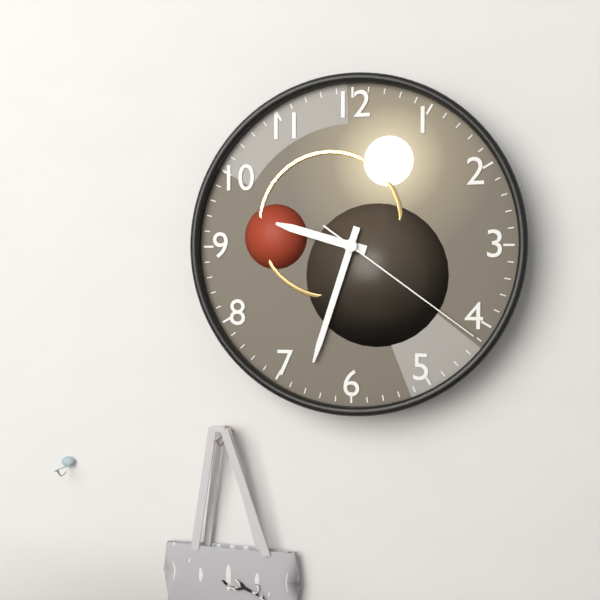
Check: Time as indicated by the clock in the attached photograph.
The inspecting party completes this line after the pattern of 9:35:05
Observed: 9:33:21
